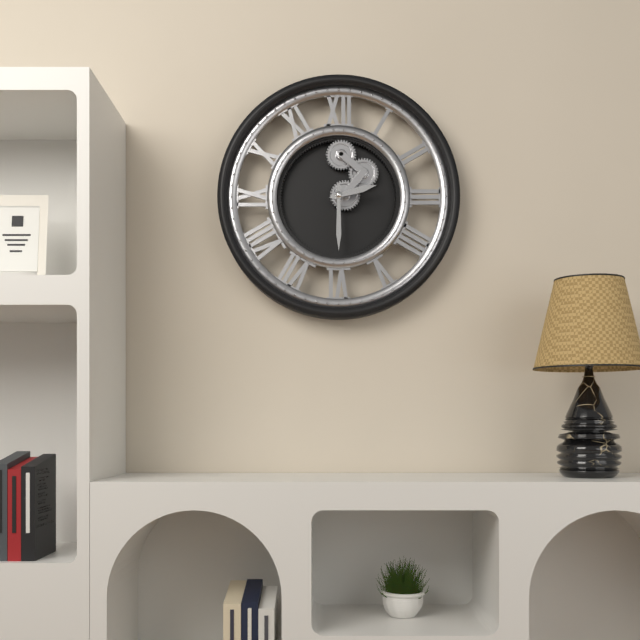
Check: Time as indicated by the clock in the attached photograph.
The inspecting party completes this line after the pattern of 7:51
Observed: 2:30
